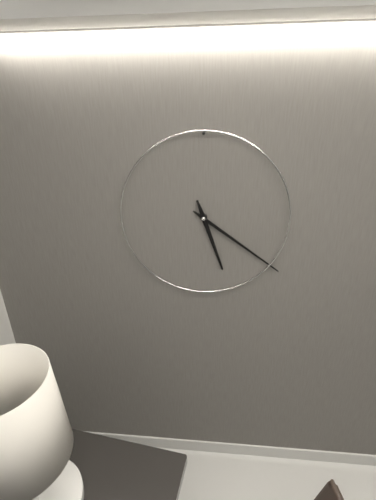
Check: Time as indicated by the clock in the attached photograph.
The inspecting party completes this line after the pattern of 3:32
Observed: 5:21
